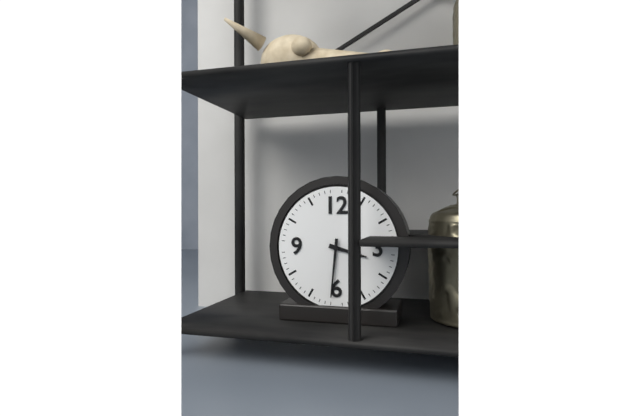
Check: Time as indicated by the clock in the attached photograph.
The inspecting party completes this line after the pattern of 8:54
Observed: 3:31
